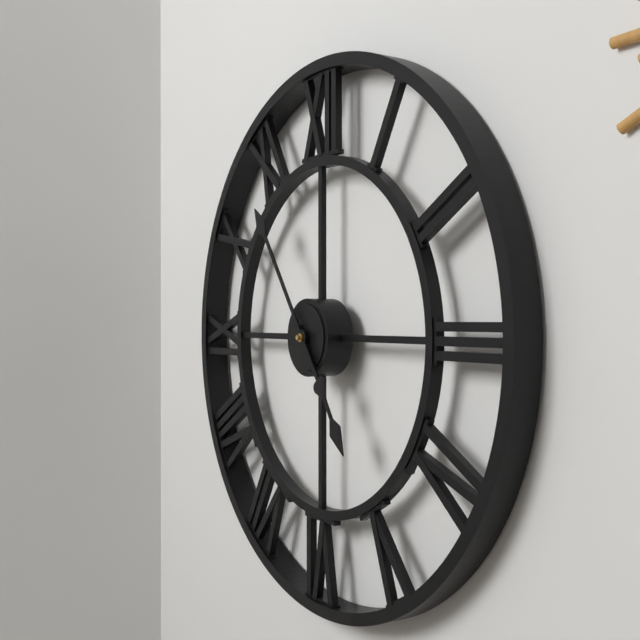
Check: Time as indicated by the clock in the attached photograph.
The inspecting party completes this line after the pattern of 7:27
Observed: 4:54
